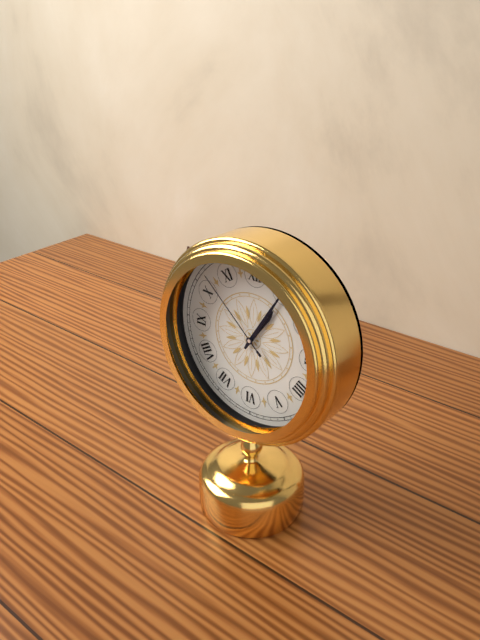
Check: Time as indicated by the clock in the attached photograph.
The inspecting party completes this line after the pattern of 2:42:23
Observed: 1:05:52
